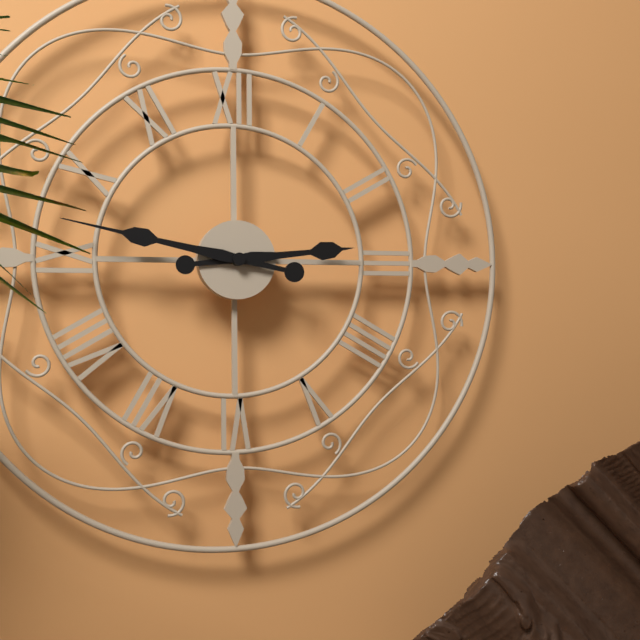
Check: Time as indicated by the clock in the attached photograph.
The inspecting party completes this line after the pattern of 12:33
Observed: 2:47
